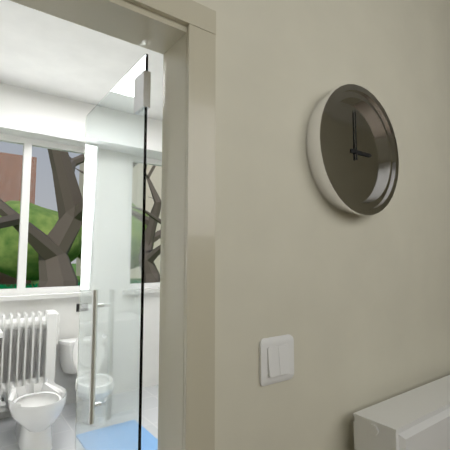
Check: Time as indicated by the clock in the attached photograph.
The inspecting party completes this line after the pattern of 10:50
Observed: 3:00
